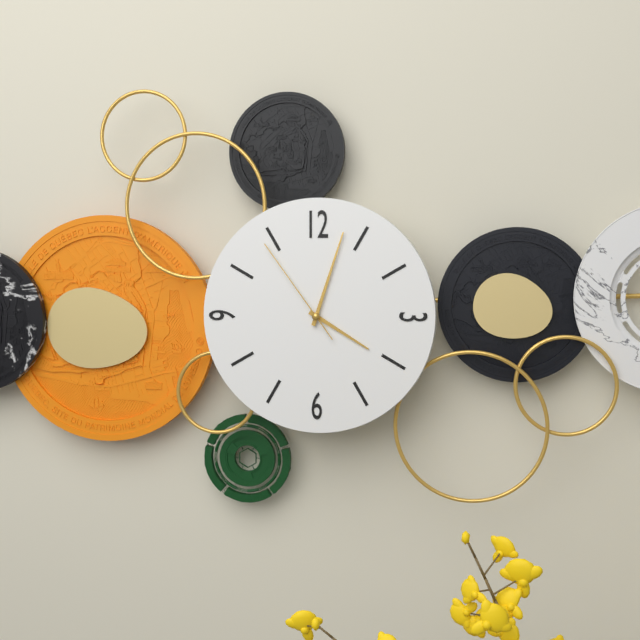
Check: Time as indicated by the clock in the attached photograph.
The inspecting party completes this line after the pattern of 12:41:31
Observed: 4:03:54
